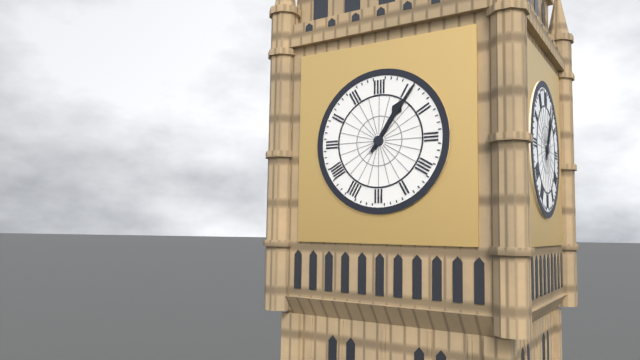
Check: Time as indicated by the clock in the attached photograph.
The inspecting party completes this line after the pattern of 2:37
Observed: 1:06
